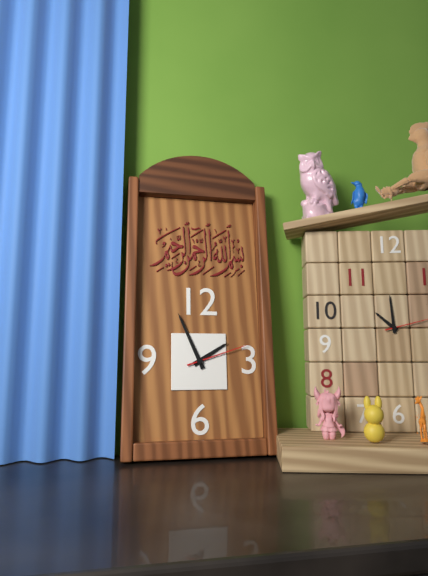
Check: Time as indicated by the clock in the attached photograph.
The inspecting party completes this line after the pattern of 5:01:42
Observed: 1:56:12
